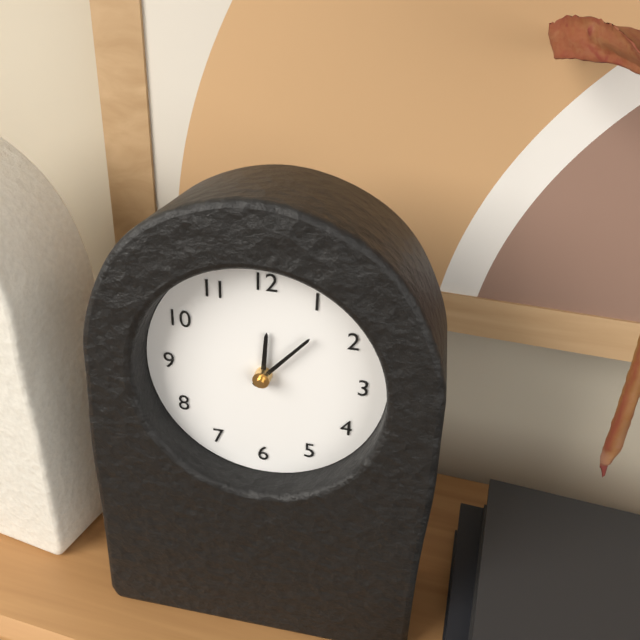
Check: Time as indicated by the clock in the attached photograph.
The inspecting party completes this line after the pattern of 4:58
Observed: 12:07
